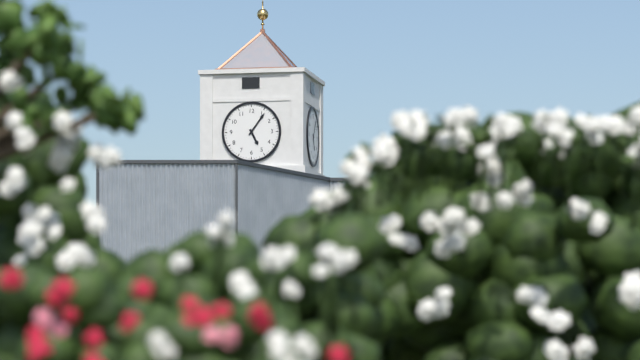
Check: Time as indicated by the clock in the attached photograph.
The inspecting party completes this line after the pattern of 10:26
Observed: 5:06
